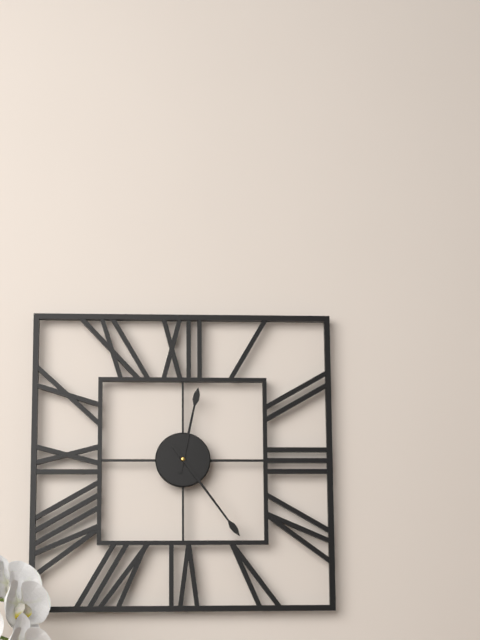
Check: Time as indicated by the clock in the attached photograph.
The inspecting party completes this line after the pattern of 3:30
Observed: 12:24
